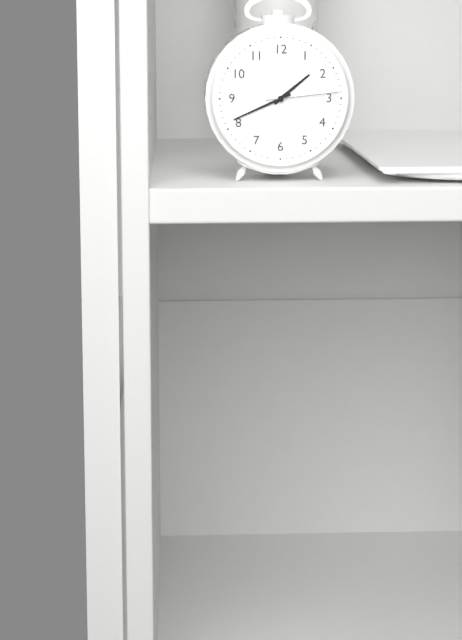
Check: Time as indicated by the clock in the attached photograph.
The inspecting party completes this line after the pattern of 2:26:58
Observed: 1:41:14
